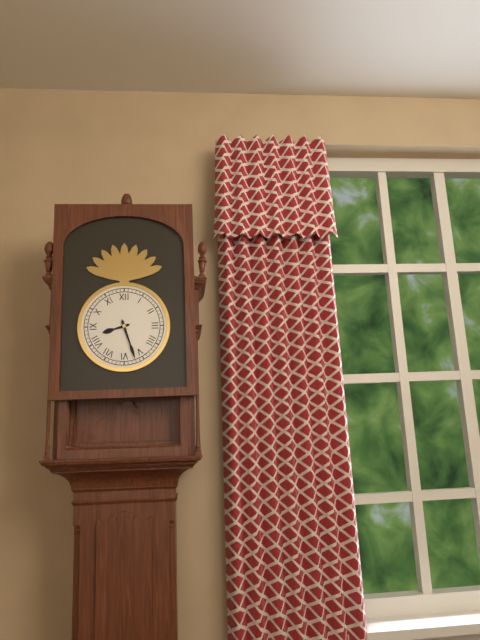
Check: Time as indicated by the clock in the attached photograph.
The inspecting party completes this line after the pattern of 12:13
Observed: 8:27
